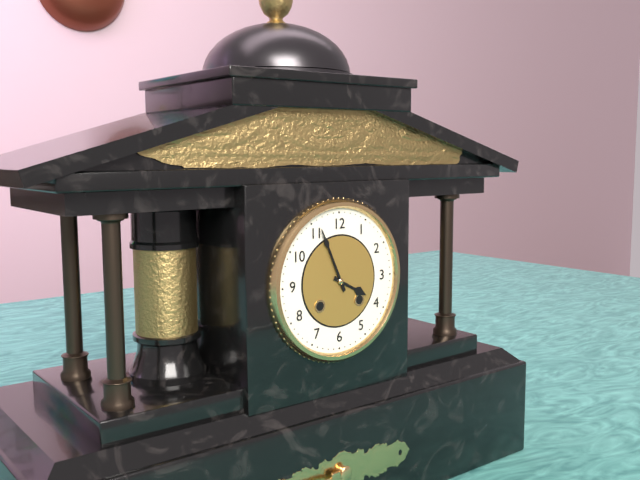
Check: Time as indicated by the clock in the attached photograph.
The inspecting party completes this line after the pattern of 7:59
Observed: 3:56
